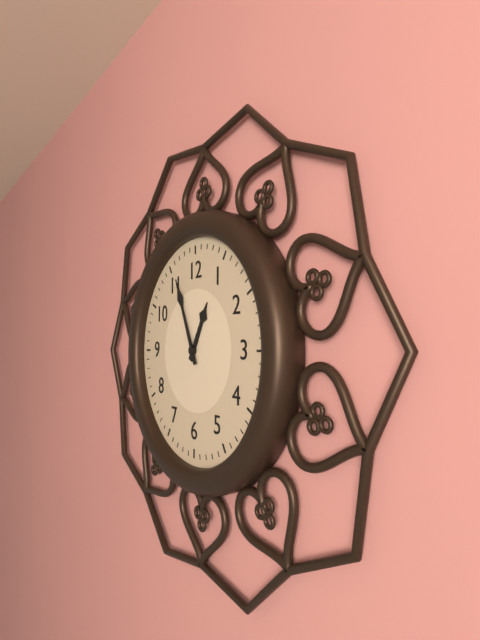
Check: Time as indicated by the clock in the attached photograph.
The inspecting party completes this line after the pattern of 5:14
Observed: 12:56
